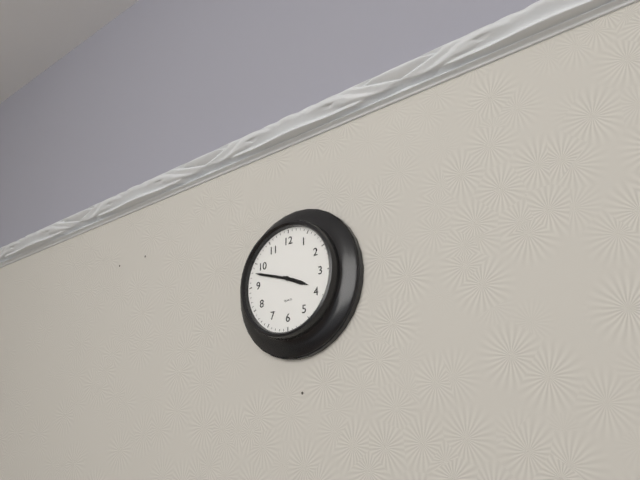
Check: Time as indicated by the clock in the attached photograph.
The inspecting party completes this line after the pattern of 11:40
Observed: 3:48
